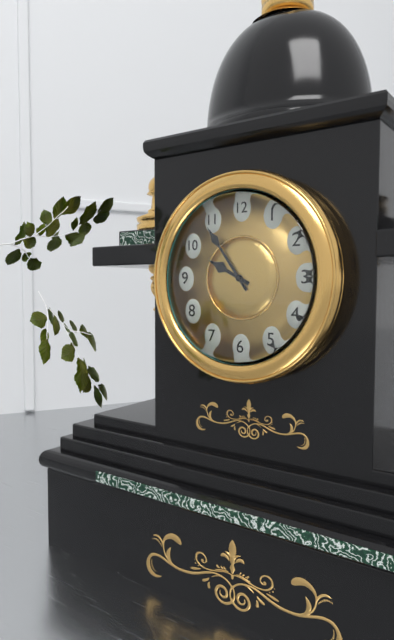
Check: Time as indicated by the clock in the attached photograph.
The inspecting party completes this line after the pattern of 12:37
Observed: 9:54
